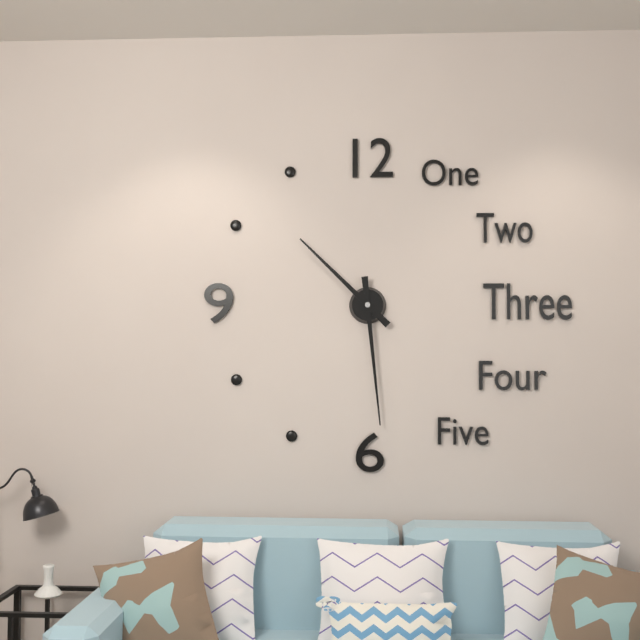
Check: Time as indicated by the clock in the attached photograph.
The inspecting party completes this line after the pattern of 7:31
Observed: 10:29
